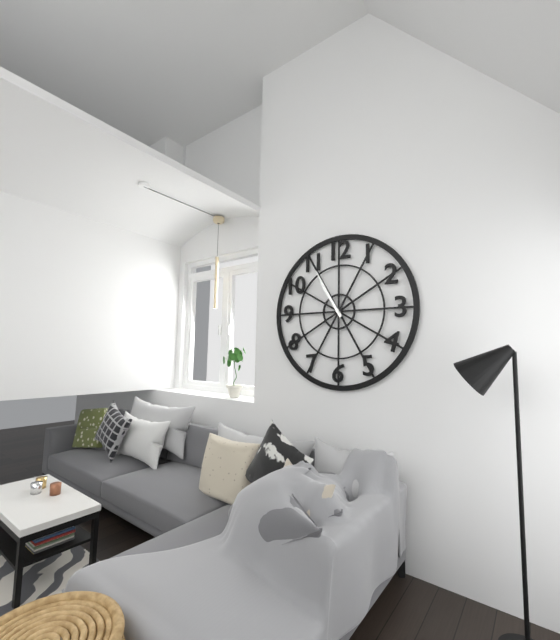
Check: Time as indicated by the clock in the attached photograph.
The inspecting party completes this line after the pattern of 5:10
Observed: 10:55
